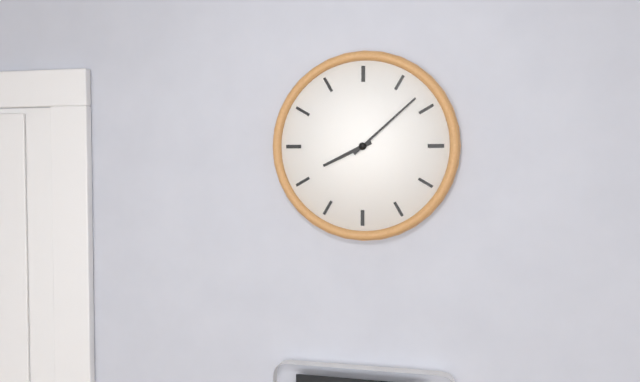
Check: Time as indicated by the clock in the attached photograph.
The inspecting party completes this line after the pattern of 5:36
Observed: 8:08
